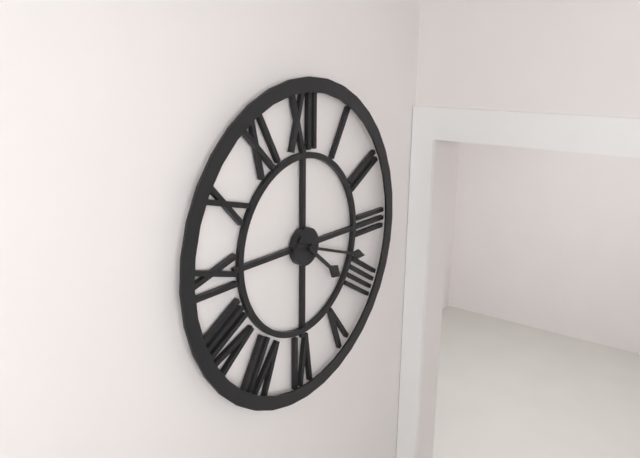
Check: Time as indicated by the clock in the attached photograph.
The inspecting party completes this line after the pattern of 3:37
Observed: 4:18
